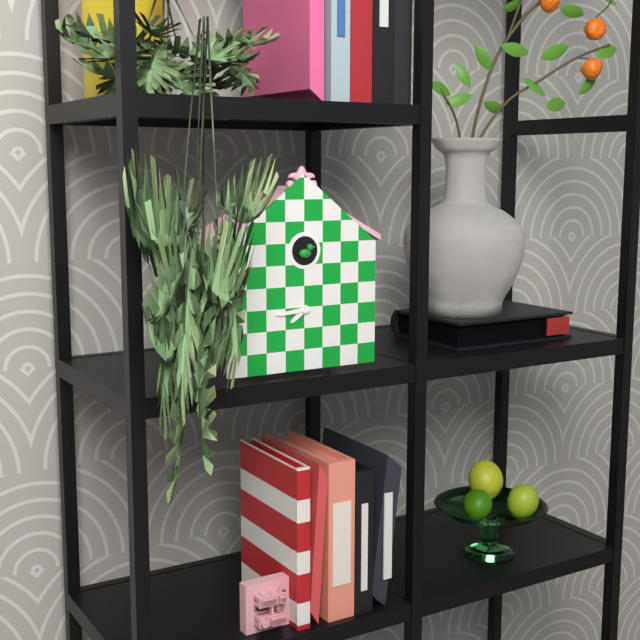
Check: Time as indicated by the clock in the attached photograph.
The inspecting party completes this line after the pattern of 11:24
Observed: 7:44
